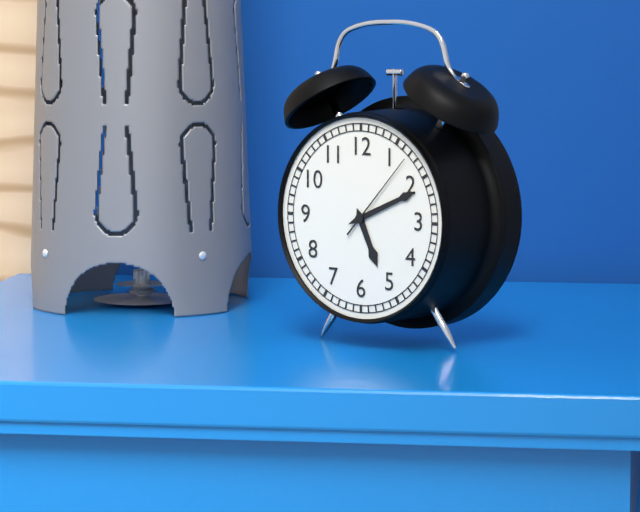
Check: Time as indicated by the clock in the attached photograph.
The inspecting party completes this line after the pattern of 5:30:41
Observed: 5:11:07
